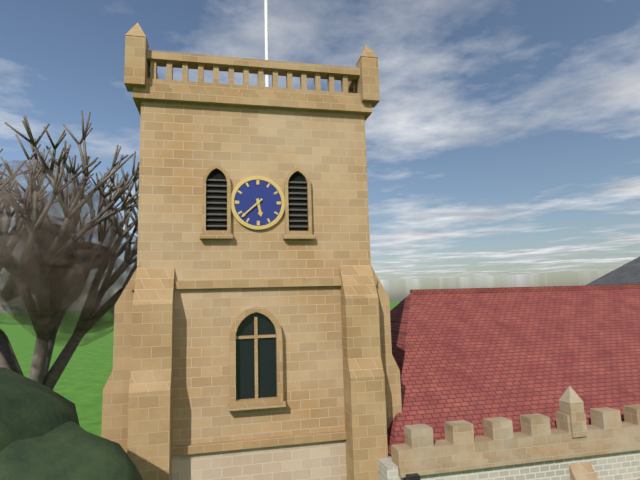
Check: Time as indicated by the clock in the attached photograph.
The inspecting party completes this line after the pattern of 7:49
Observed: 5:38
